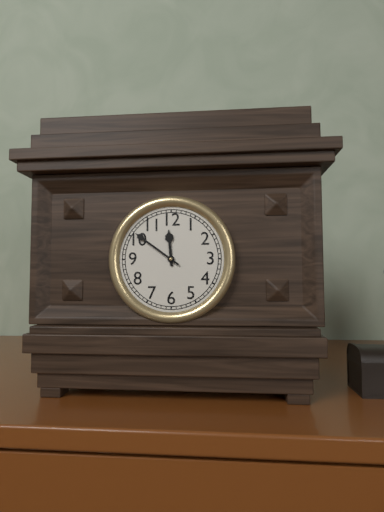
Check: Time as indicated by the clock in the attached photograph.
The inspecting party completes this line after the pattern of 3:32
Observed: 11:51
